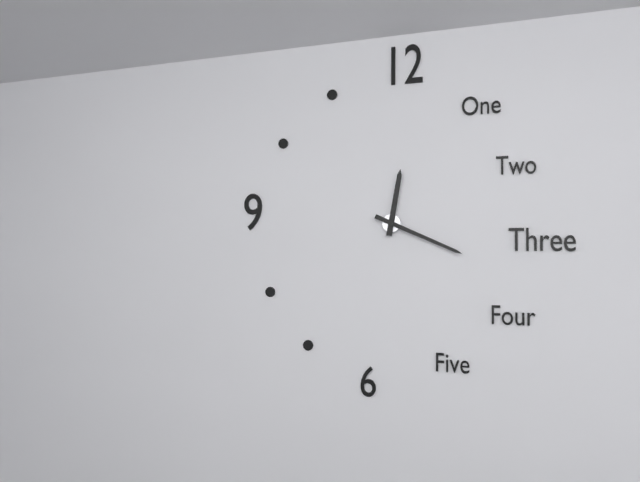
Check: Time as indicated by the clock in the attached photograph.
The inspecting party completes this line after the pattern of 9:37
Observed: 12:19
